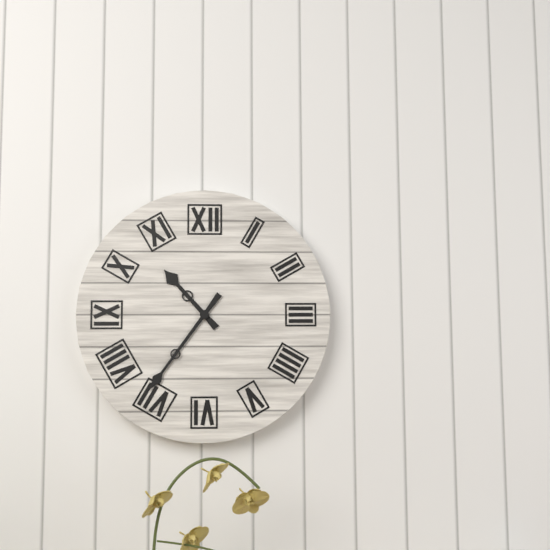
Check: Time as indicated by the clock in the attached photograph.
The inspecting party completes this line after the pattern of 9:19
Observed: 10:36
